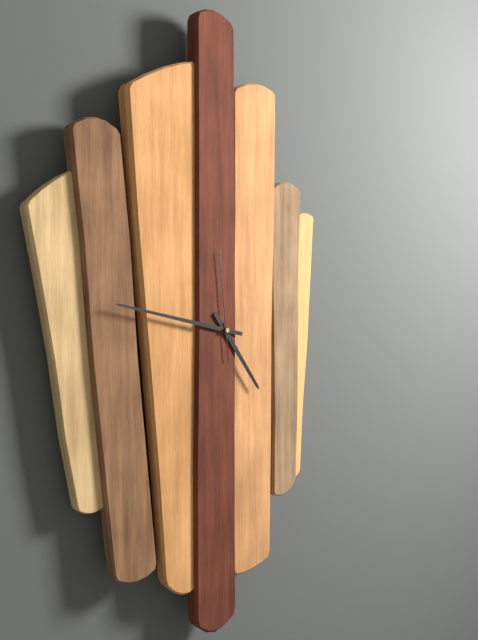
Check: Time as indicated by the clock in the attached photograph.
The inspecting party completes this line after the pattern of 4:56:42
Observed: 4:47:59
